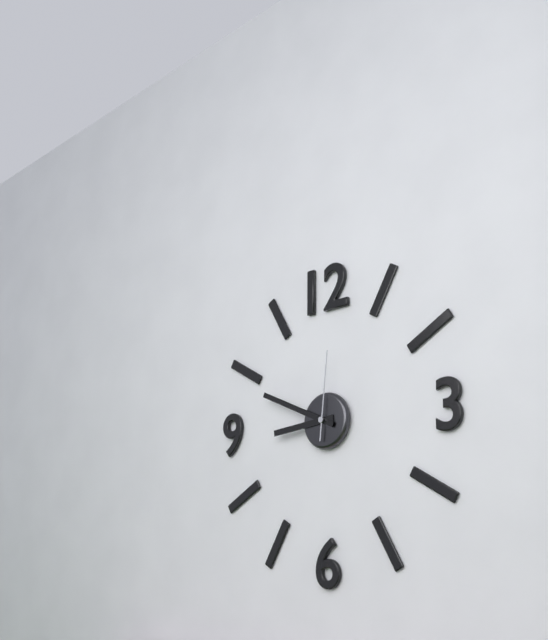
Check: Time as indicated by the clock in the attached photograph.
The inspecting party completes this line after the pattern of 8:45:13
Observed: 8:49:01
